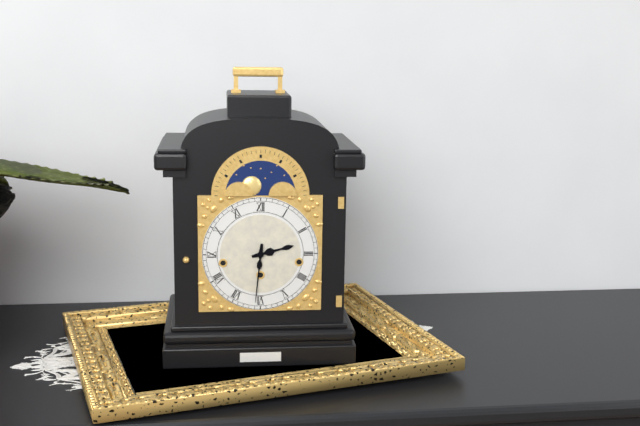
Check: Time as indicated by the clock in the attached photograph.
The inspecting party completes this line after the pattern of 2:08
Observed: 2:31
